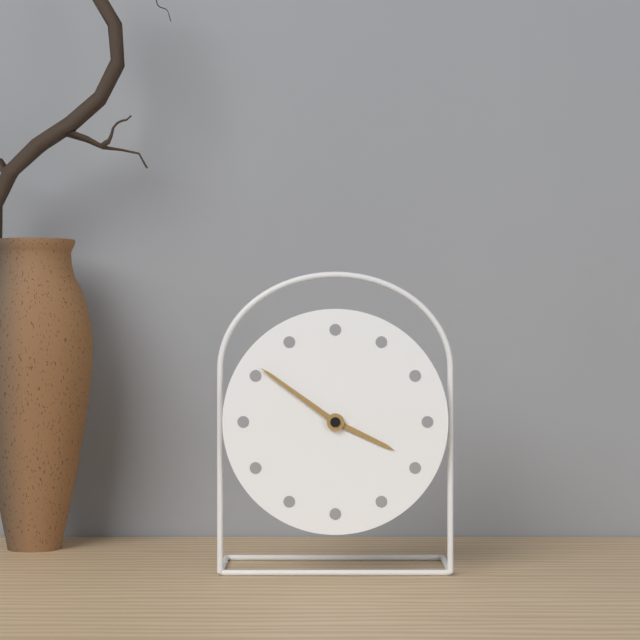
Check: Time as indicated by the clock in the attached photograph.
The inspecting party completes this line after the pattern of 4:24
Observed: 3:51
